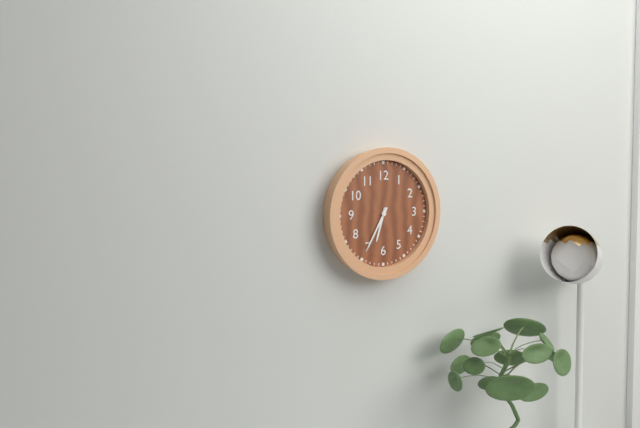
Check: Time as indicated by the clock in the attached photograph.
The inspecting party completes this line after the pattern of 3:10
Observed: 6:35
